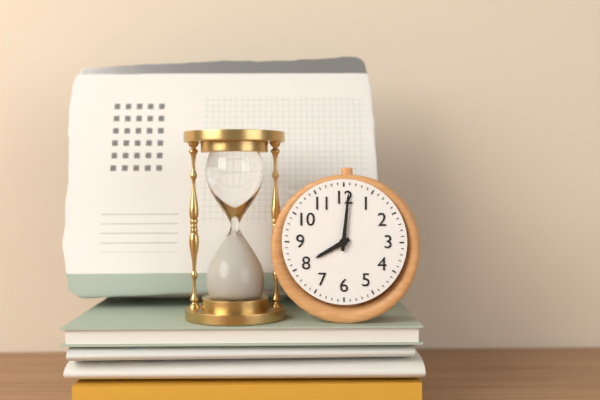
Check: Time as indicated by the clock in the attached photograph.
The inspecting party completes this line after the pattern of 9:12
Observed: 8:01
